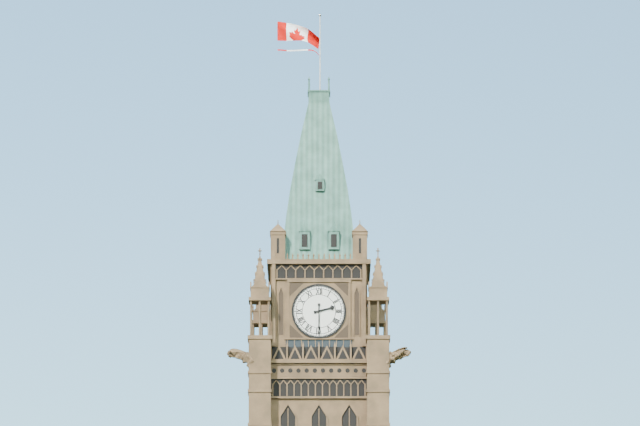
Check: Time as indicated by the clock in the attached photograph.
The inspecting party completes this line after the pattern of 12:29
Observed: 2:30
